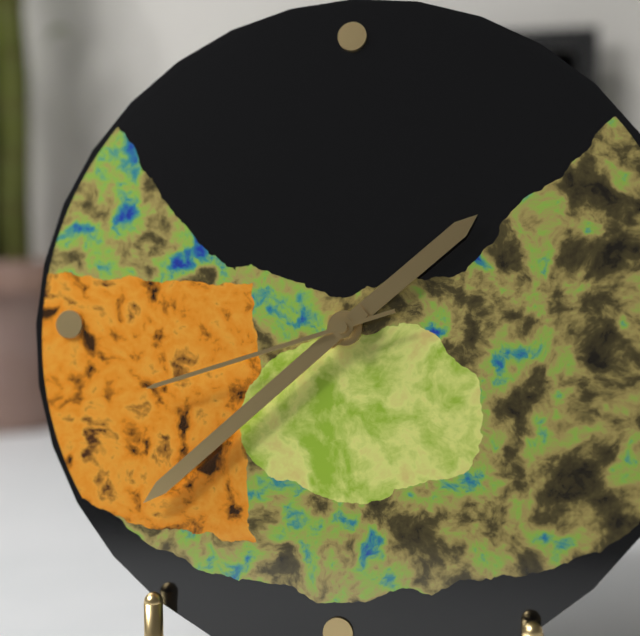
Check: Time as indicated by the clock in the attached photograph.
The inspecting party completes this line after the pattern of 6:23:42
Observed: 1:38:42
